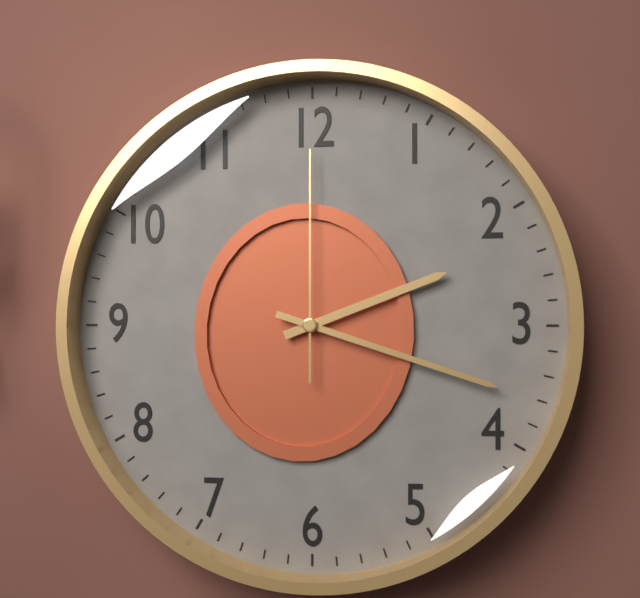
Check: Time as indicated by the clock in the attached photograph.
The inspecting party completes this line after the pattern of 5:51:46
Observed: 2:18:00
